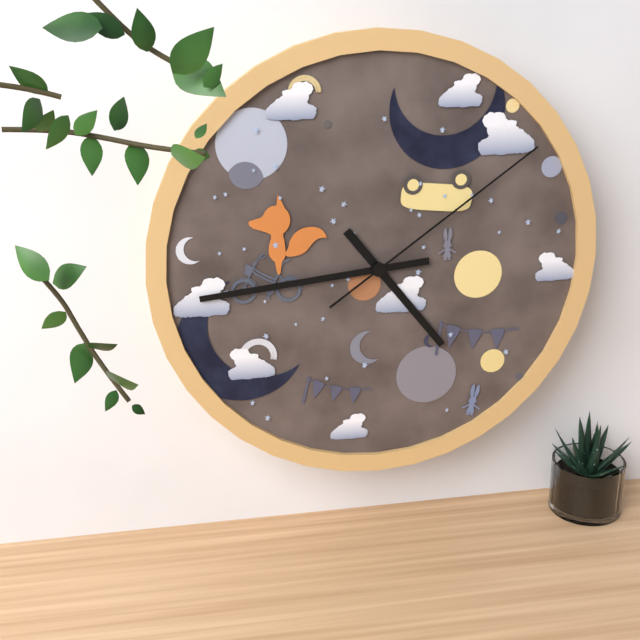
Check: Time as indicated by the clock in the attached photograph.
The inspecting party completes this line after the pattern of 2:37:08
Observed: 4:44:09
